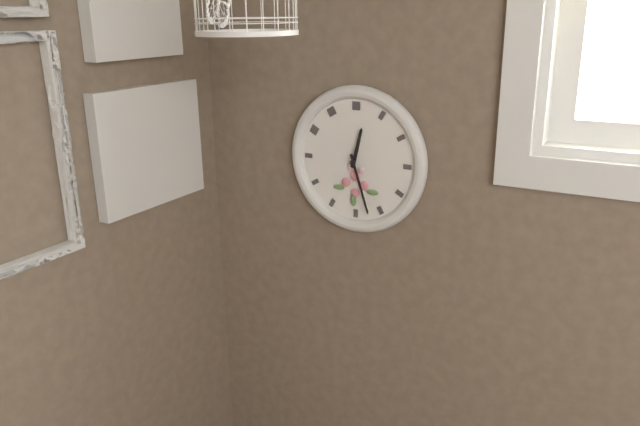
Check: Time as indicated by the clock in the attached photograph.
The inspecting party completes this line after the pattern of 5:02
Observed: 12:27
